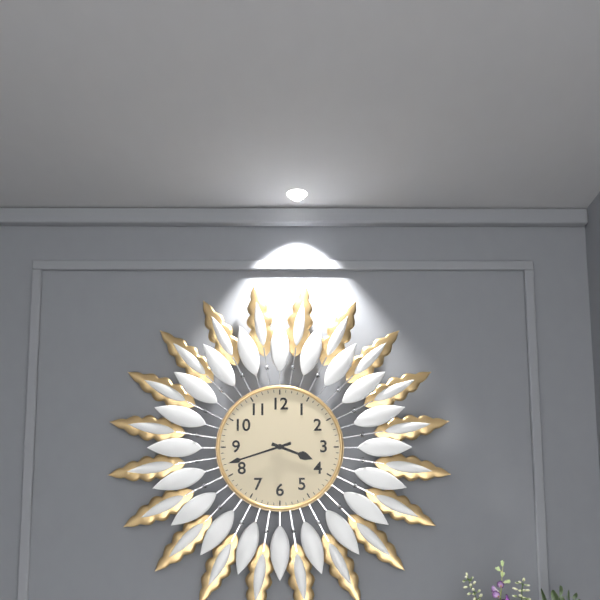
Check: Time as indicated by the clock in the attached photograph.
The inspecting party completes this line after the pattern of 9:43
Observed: 3:42
